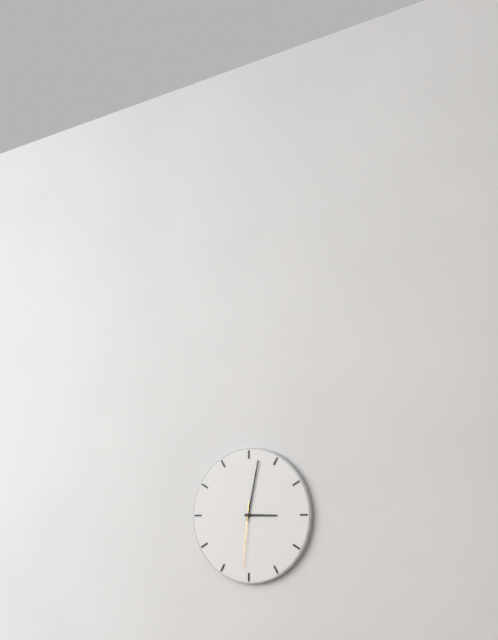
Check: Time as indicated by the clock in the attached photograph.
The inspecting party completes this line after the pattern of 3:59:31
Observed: 3:02:31
